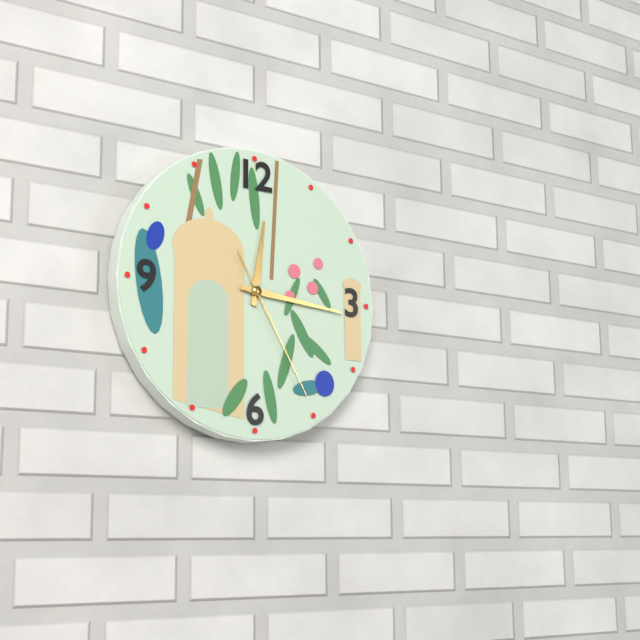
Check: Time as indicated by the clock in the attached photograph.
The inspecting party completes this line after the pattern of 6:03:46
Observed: 12:16:25
